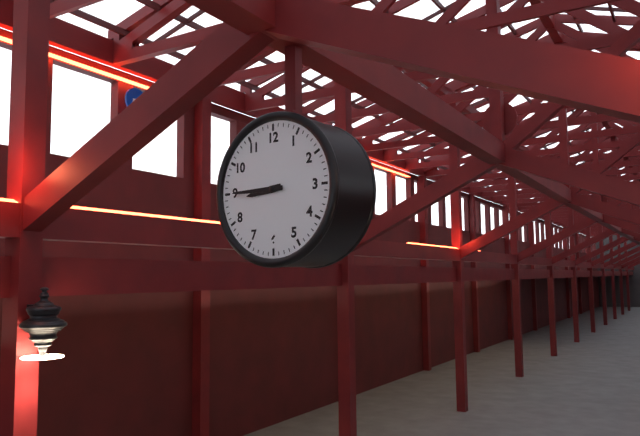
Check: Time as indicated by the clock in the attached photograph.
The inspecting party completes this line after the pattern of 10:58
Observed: 8:45
